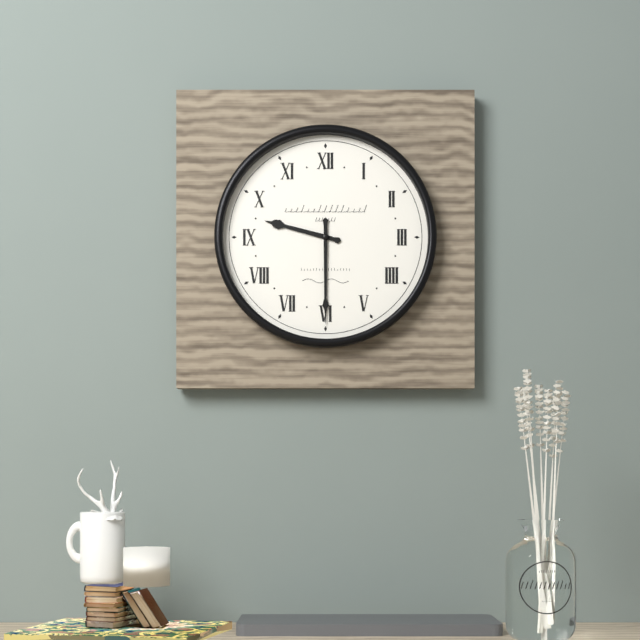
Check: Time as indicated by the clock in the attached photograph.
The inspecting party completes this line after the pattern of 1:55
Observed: 9:30
